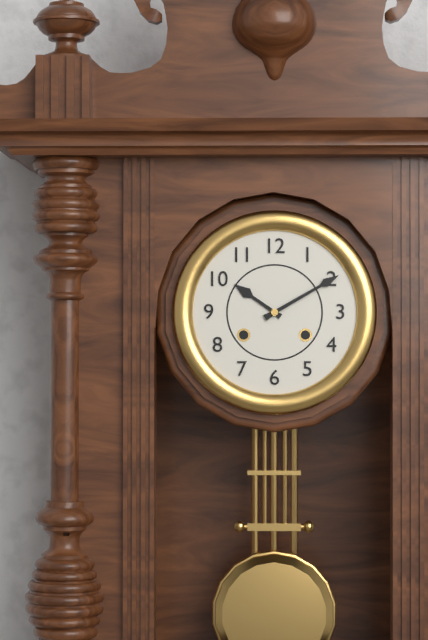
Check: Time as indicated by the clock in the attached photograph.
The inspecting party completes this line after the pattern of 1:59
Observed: 10:10
